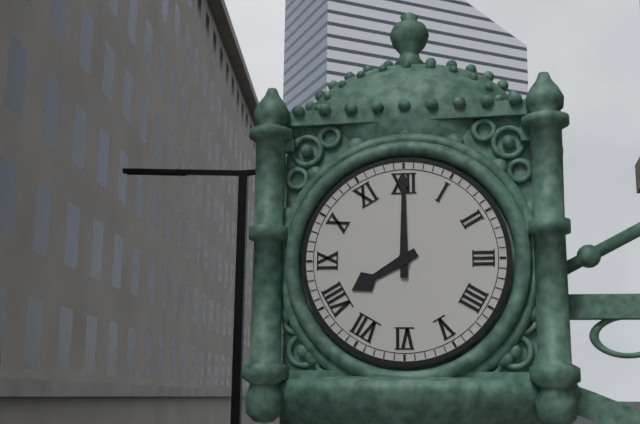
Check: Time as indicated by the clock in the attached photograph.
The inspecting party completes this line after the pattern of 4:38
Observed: 8:00
